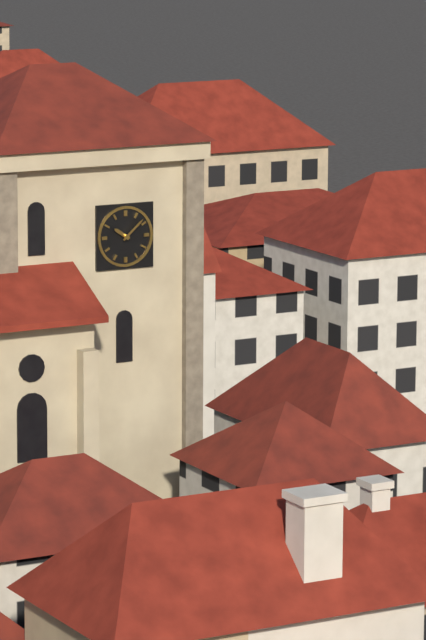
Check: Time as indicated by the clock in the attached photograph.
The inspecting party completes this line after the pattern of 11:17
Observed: 10:08
